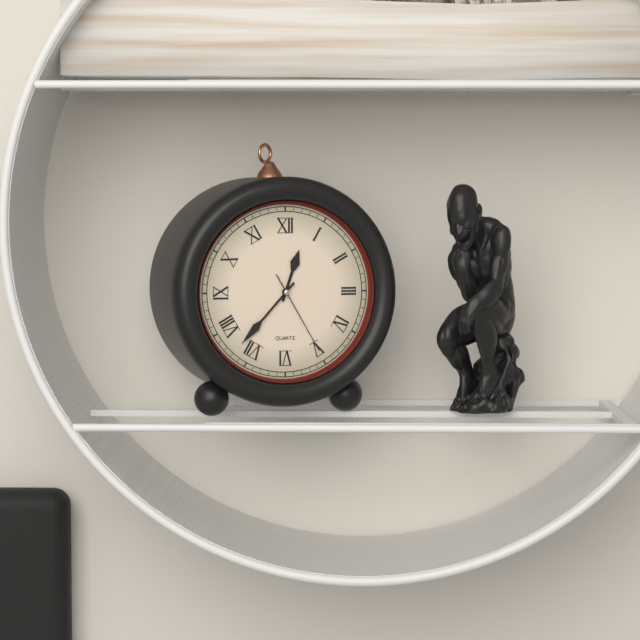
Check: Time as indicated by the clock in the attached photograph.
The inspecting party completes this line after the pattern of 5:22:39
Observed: 12:37:25
